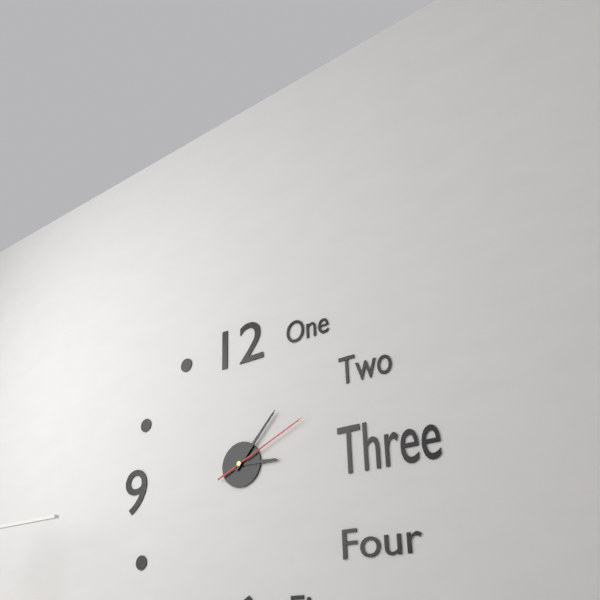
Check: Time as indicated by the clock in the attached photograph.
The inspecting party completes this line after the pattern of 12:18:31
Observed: 3:07:11
